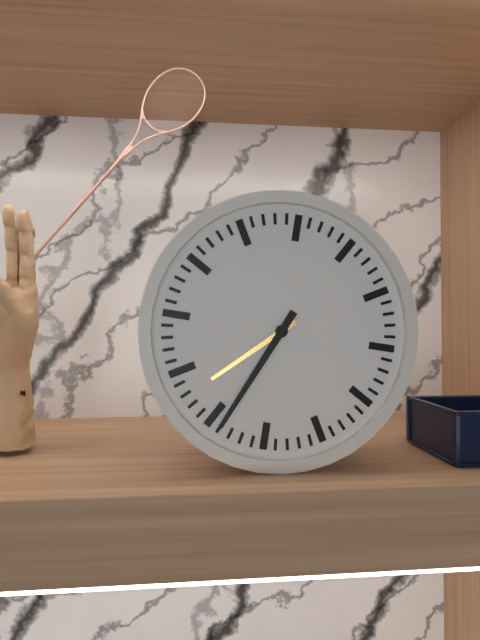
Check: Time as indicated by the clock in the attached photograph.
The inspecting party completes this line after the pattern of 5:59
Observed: 7:34
